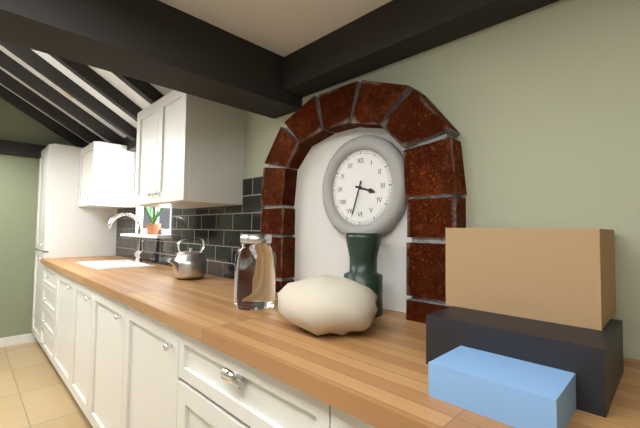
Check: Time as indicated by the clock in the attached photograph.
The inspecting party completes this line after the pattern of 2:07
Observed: 3:33
